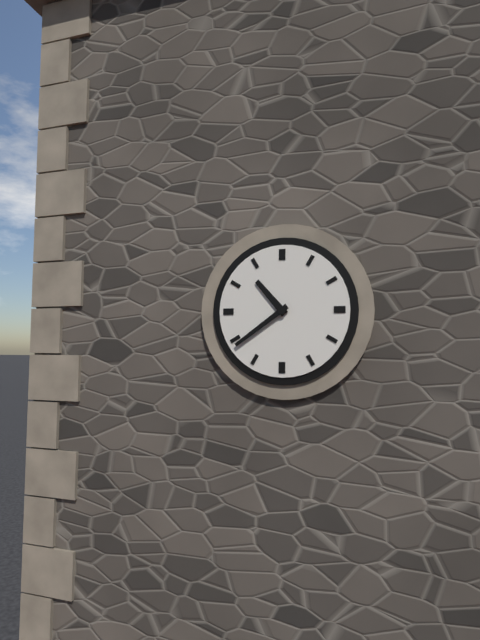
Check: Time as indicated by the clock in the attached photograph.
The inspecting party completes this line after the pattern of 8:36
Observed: 10:39
